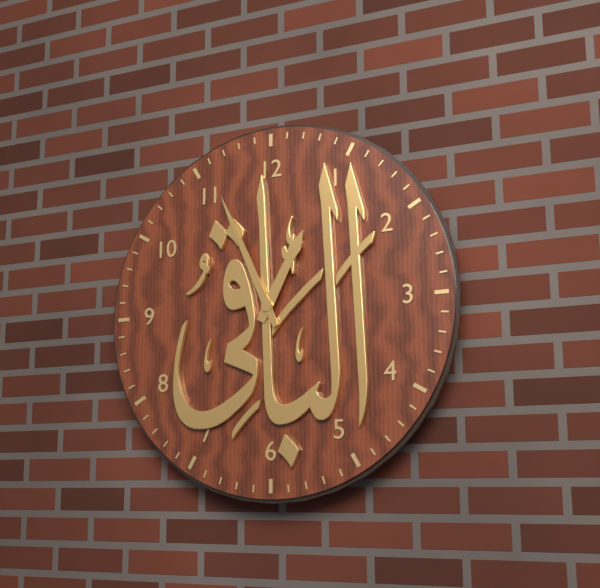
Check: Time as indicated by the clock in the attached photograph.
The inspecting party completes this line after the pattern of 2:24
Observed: 12:56
